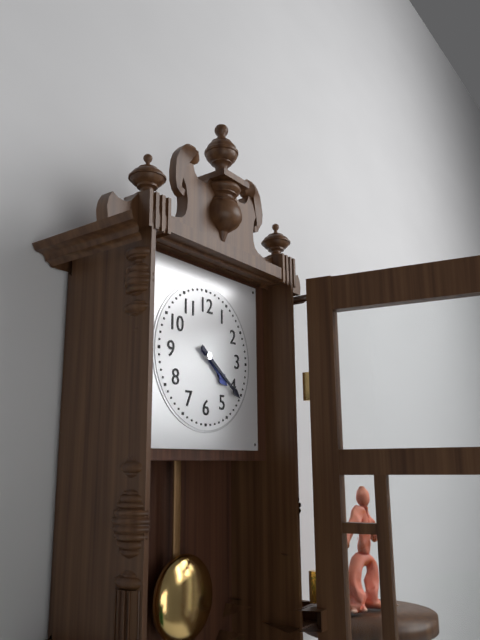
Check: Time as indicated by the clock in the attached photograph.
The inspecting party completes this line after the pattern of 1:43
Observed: 4:21
